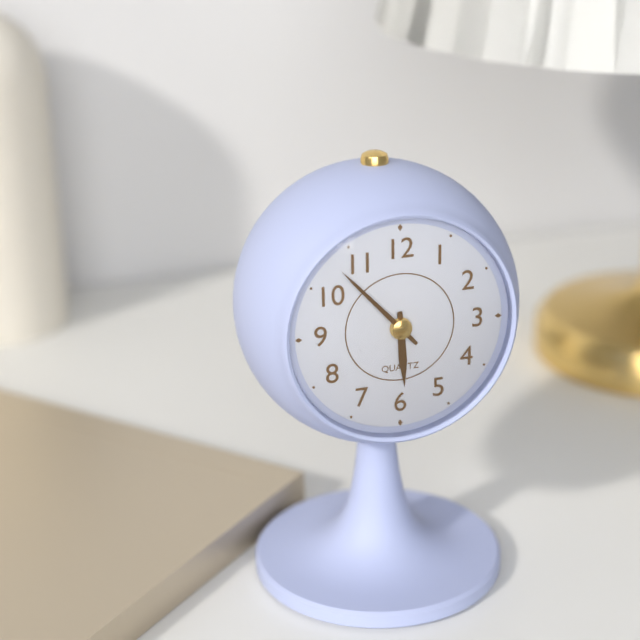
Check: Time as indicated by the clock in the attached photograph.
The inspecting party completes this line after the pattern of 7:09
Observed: 5:53
